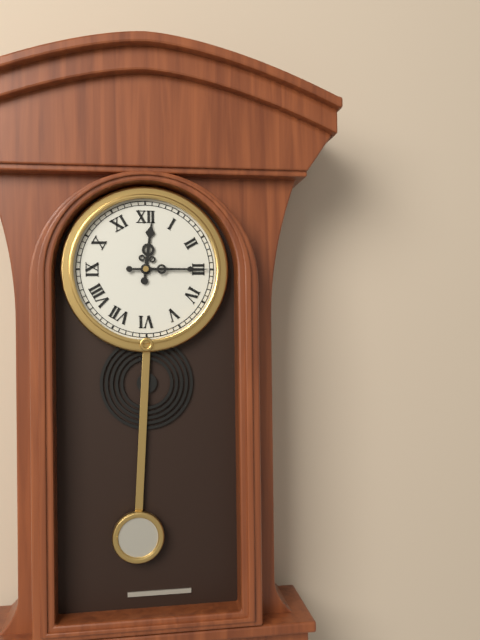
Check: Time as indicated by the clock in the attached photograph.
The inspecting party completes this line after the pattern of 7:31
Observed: 12:15
